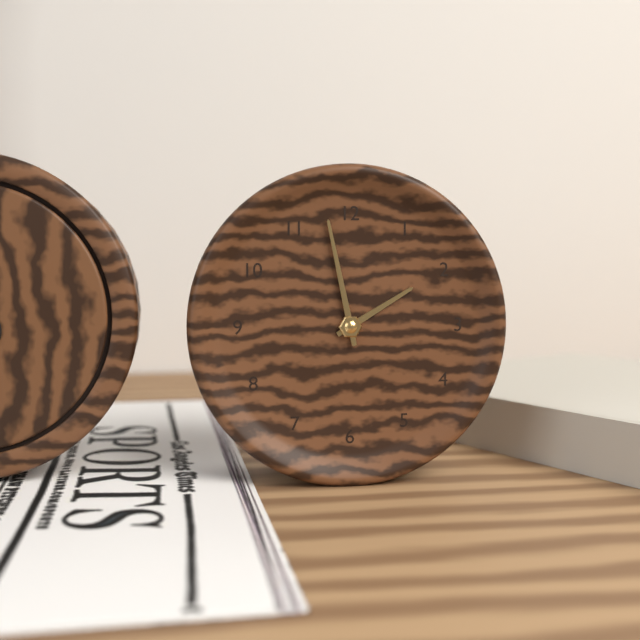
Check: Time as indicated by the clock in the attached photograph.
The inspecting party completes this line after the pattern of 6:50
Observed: 1:58
